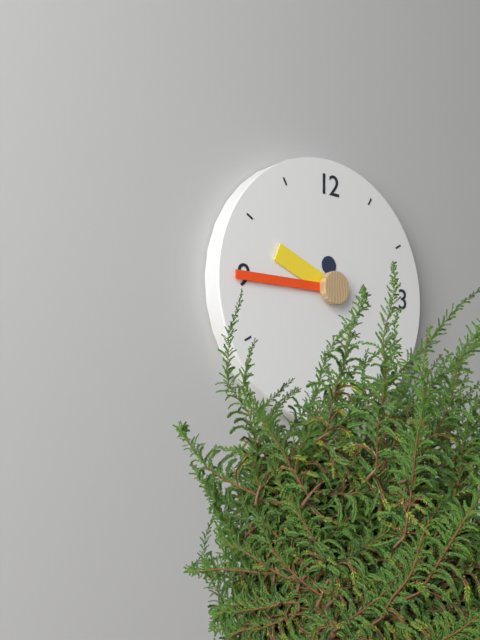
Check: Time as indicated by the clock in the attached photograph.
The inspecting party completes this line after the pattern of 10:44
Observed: 9:45
